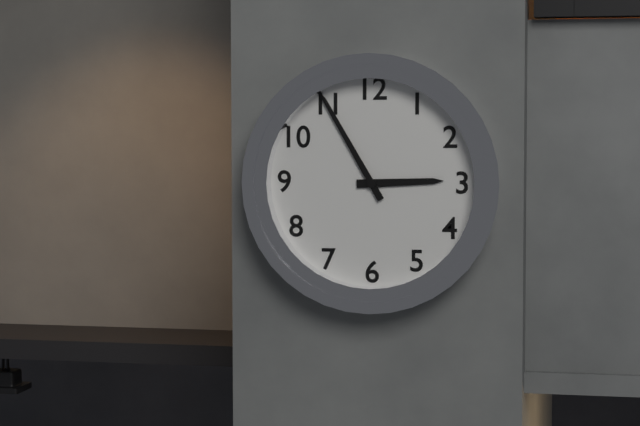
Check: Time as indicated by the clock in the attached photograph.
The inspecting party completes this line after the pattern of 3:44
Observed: 2:55
